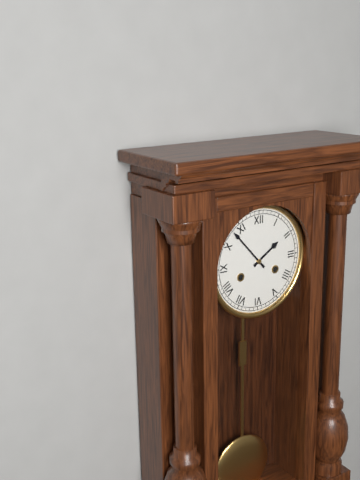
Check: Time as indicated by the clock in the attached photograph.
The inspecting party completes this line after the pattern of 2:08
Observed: 1:53
